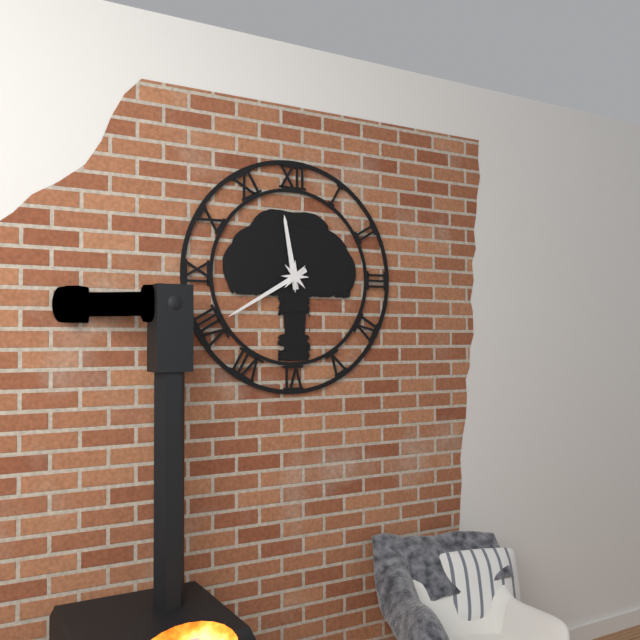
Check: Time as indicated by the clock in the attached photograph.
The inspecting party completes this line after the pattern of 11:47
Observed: 11:40
